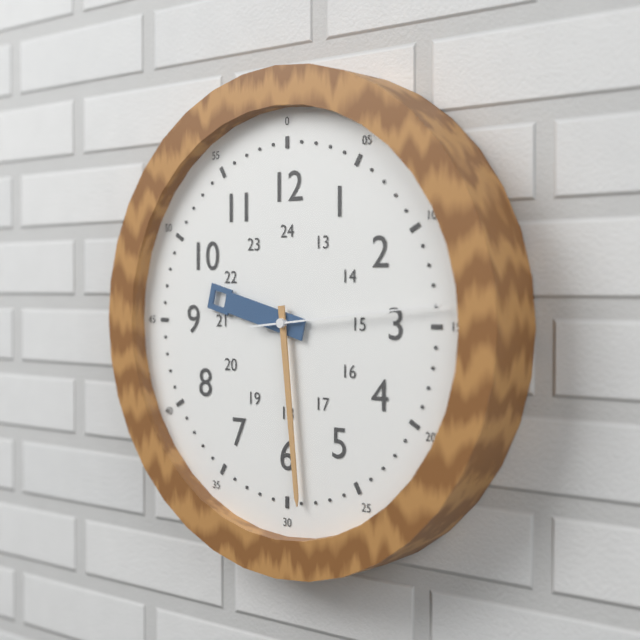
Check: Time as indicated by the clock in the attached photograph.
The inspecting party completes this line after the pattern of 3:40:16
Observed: 9:29:14
